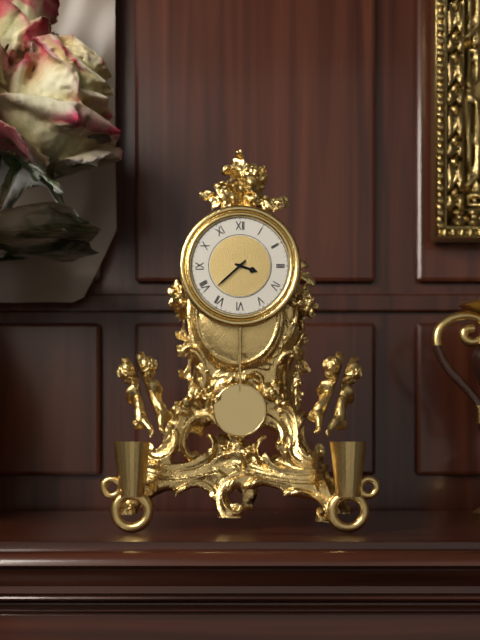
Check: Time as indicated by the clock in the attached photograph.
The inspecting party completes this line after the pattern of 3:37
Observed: 3:38
